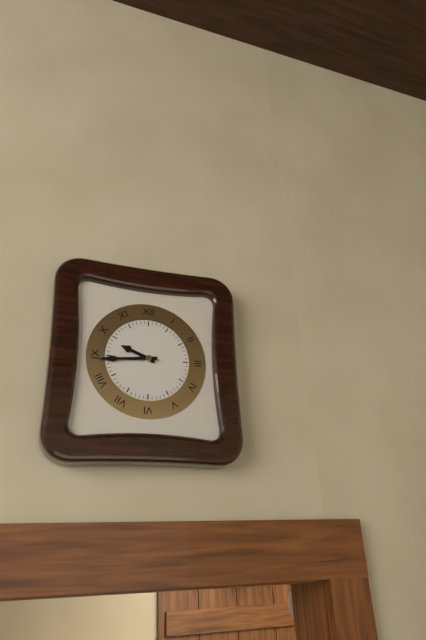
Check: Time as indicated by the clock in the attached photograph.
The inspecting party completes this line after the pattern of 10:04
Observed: 9:44
